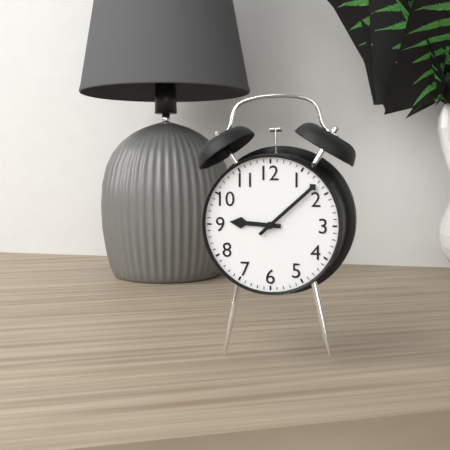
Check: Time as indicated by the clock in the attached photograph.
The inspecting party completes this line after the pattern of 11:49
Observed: 9:08
